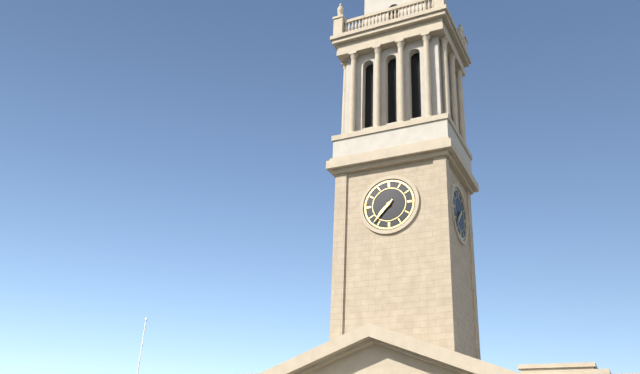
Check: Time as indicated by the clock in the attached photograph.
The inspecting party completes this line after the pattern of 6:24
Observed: 7:37
